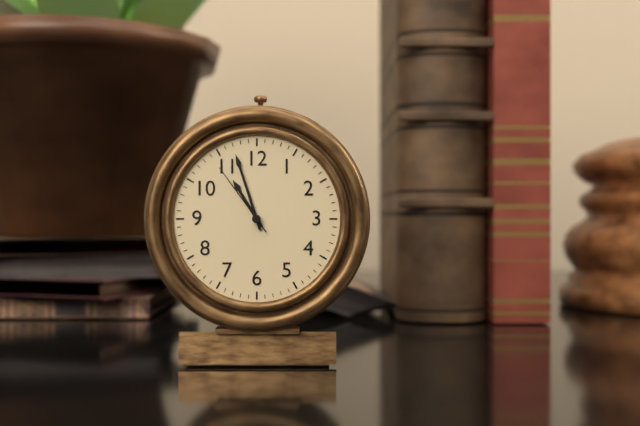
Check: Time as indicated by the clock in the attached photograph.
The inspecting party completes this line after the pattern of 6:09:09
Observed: 10:57:54
